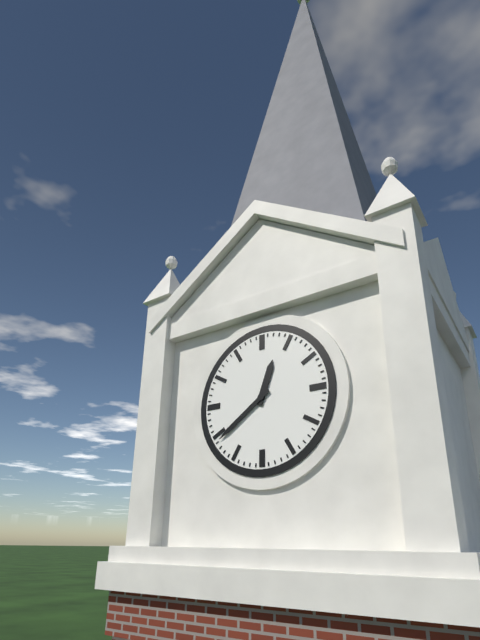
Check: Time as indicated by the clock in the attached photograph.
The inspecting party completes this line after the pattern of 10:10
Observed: 12:39
